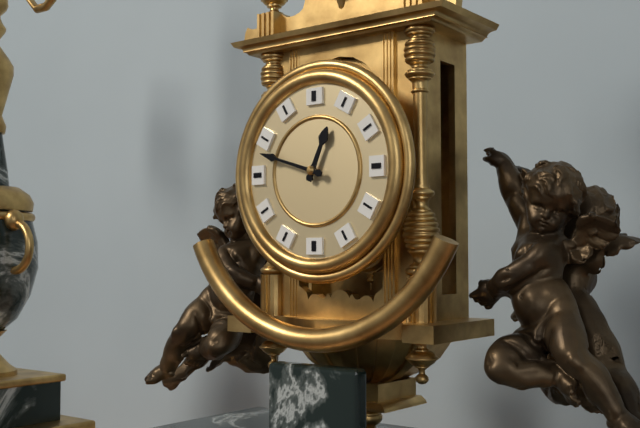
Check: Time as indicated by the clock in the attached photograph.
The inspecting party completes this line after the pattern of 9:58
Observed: 12:48
